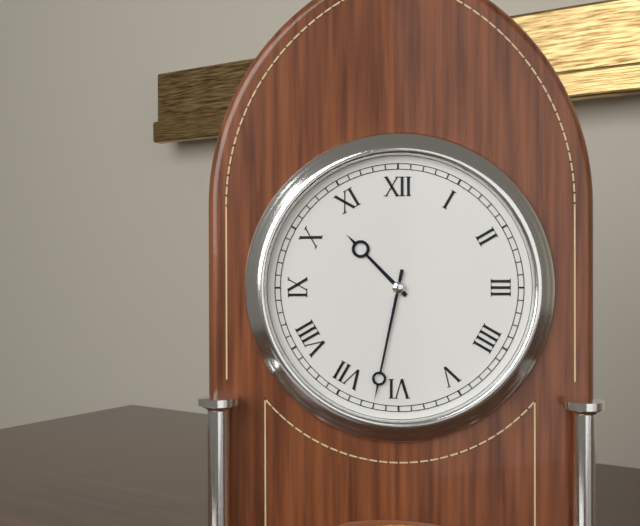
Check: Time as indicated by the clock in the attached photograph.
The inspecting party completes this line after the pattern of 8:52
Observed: 10:32
